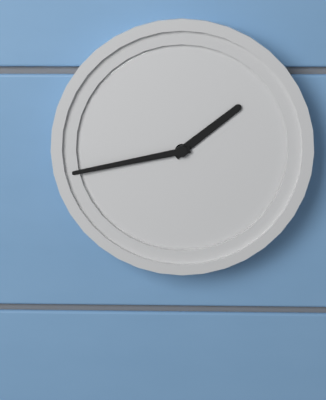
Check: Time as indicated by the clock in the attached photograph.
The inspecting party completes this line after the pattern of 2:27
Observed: 1:43
